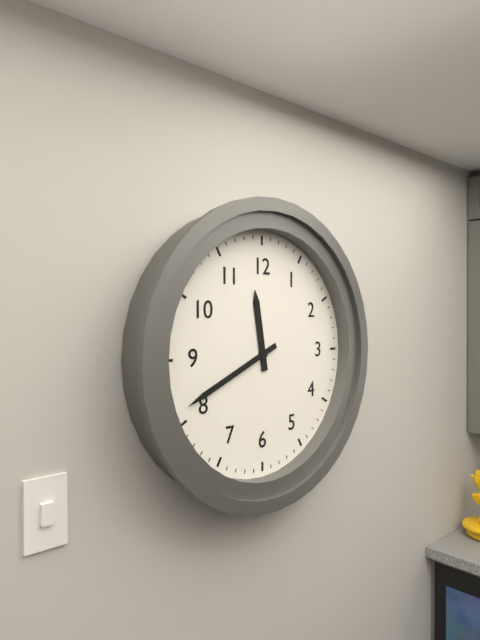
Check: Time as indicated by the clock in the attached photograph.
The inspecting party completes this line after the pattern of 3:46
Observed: 11:41
